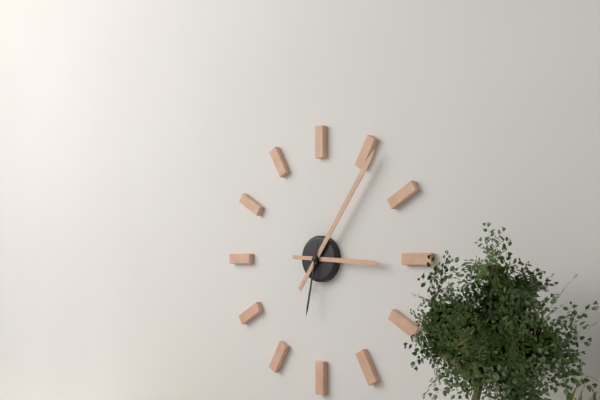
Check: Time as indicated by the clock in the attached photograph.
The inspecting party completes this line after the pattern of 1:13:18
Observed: 3:06:32
